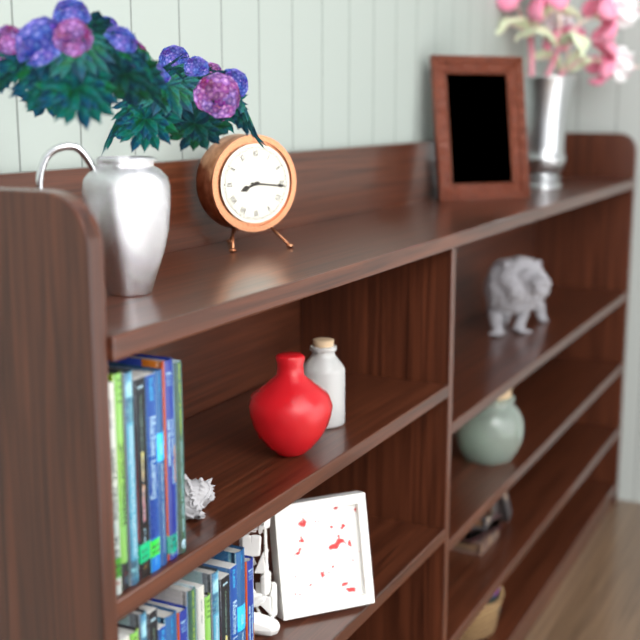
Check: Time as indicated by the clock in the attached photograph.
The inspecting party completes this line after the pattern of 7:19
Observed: 8:16
